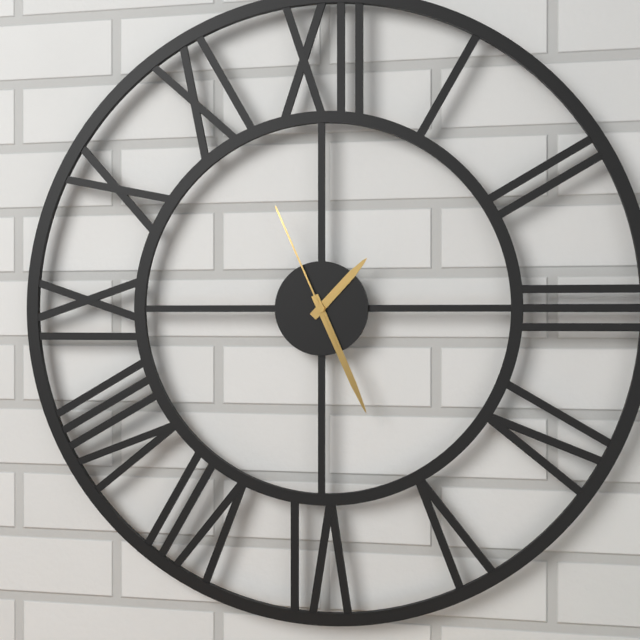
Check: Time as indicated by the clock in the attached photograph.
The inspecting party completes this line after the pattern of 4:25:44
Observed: 1:26:56
